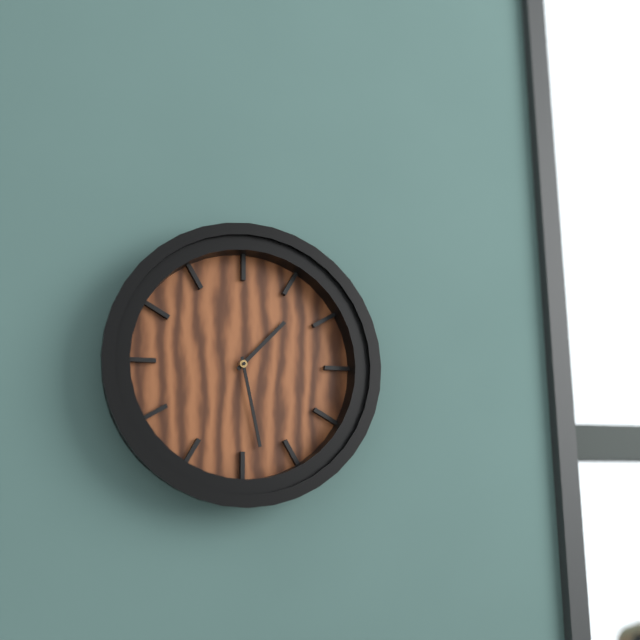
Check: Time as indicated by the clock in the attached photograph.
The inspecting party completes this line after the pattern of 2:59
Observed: 1:28
